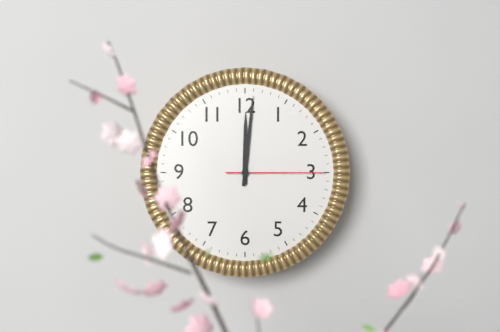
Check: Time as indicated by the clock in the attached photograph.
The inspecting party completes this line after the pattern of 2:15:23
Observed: 12:01:15
